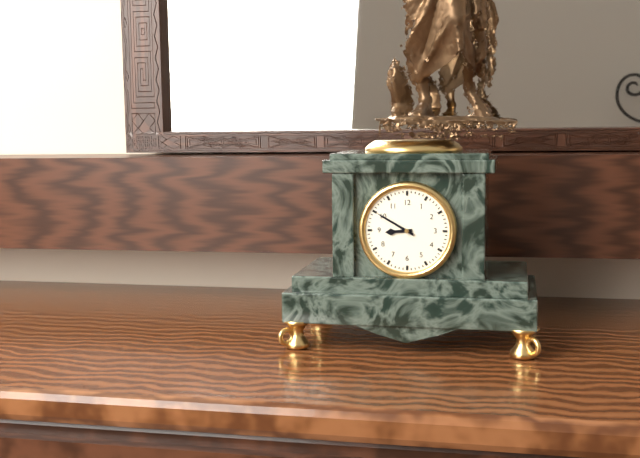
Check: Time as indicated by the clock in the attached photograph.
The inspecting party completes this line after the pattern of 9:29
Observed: 8:50
